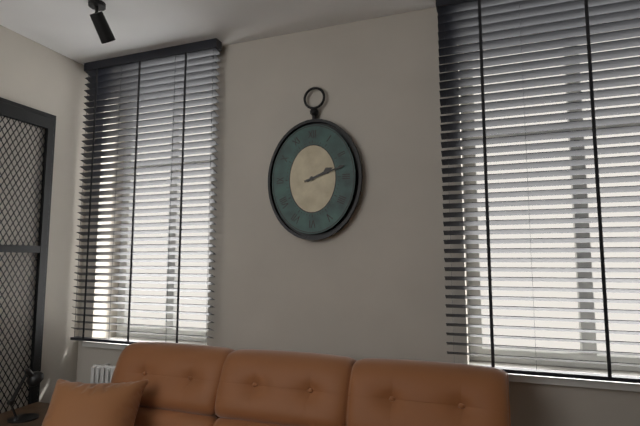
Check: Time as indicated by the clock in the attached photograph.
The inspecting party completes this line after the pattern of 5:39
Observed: 2:12
